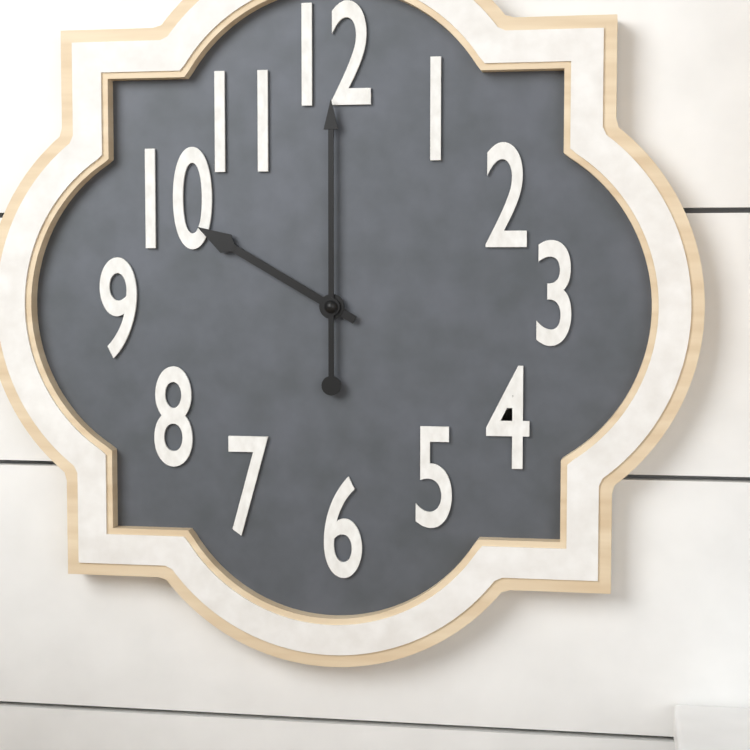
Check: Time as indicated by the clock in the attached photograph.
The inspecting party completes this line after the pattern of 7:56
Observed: 10:00
